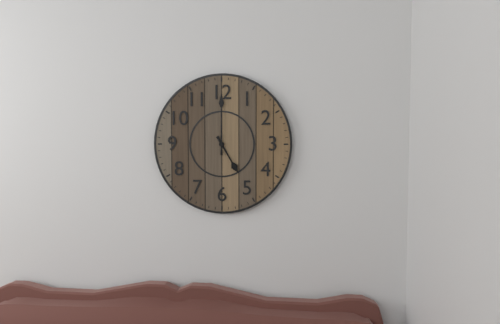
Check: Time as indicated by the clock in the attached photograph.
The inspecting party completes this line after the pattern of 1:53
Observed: 5:00
